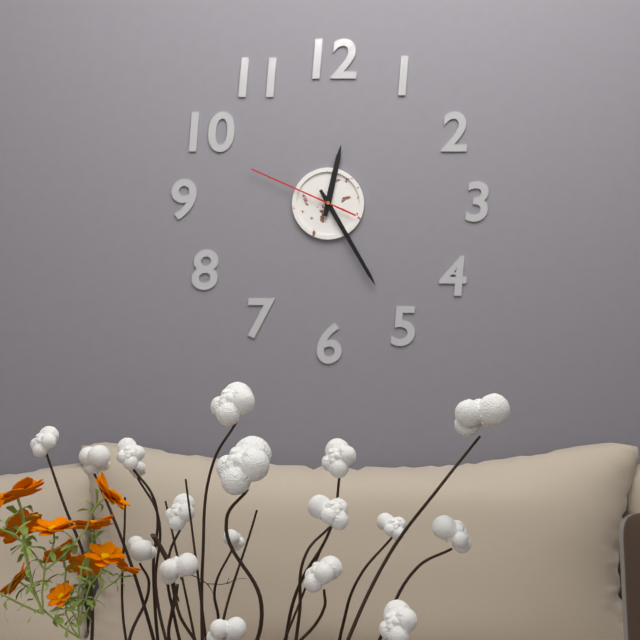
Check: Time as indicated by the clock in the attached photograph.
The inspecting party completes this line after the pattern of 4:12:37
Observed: 12:25:49
